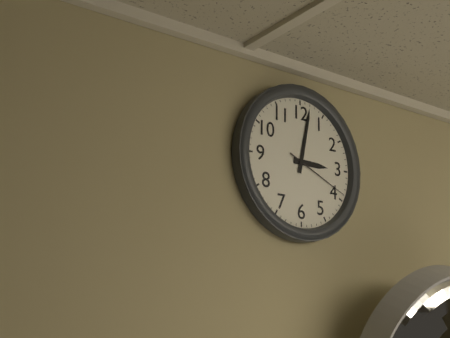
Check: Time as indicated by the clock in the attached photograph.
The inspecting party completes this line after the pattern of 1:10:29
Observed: 3:02:19
